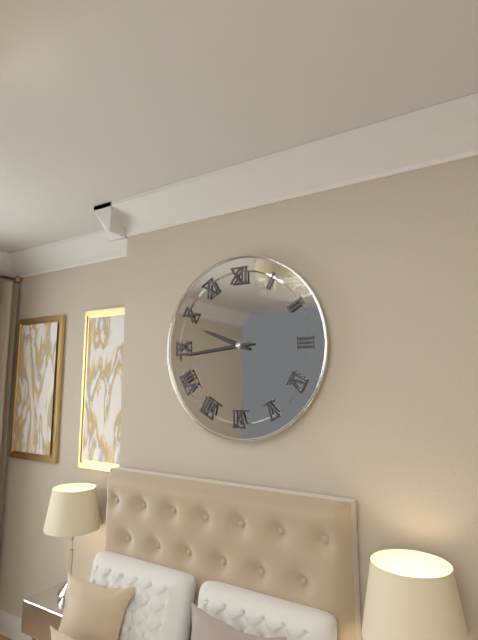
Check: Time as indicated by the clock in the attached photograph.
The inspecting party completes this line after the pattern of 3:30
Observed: 9:44
